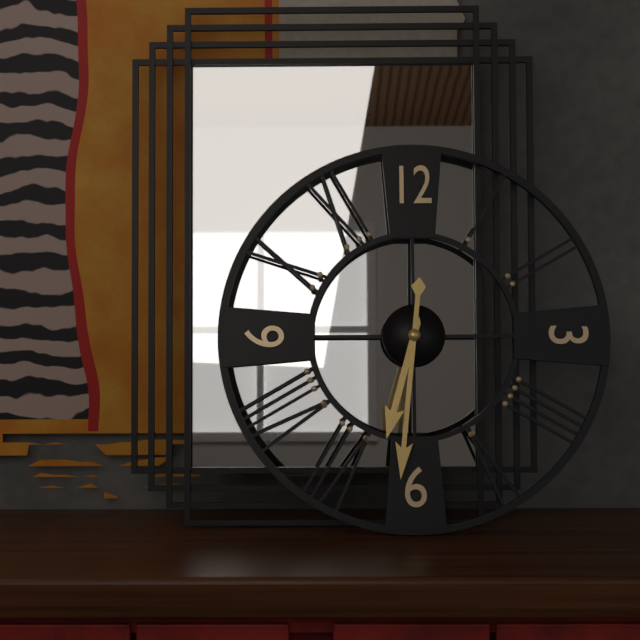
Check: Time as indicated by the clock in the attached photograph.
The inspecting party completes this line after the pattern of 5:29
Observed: 6:31
